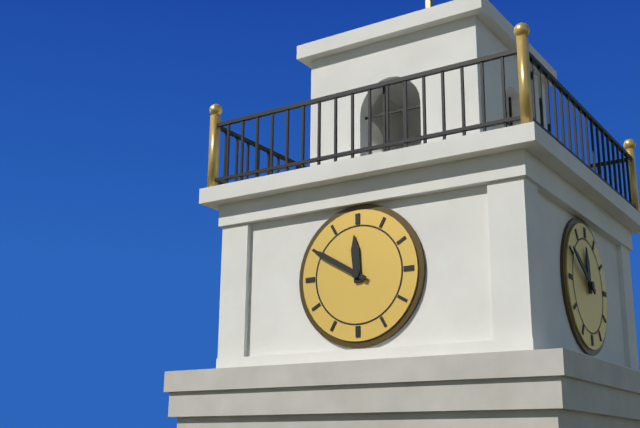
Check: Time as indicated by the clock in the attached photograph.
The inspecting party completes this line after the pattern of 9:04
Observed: 11:50
